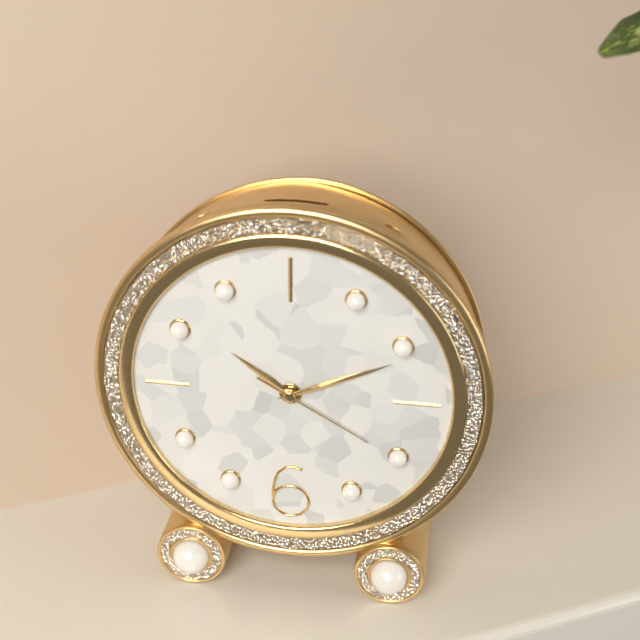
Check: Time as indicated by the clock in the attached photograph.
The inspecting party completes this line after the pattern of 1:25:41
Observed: 10:11:20
